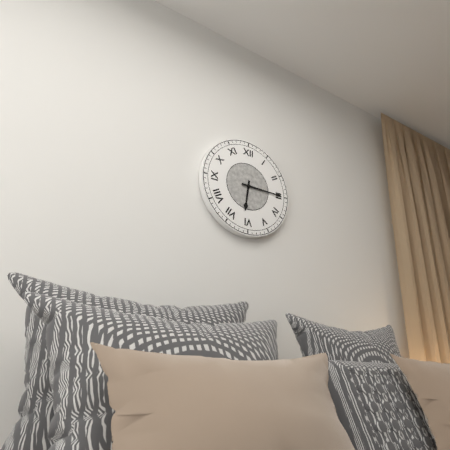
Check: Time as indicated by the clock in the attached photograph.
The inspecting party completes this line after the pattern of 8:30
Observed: 6:15
